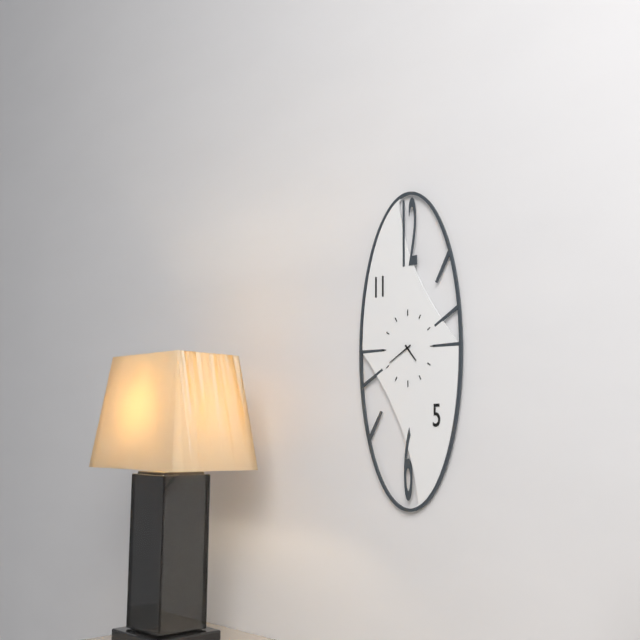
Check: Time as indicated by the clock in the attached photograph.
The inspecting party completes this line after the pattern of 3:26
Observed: 4:40
